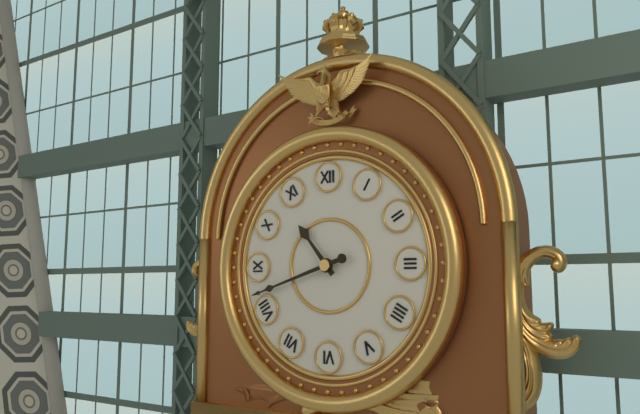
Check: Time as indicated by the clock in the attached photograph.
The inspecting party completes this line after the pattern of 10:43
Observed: 10:42
